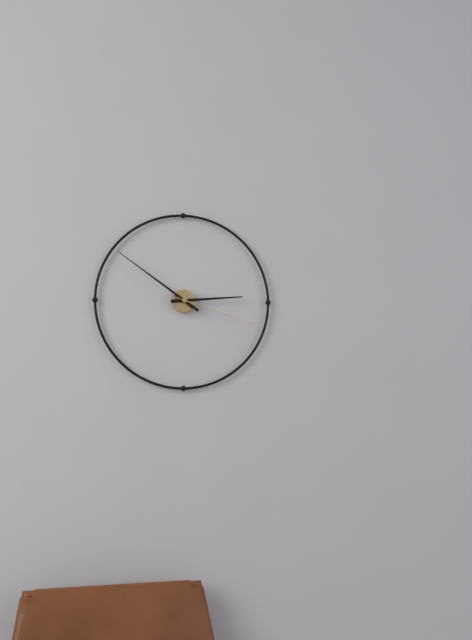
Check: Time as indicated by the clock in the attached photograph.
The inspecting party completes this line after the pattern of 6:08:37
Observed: 2:51:18
